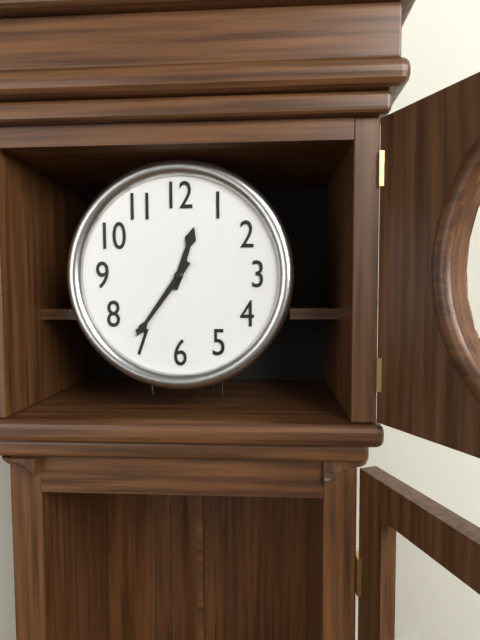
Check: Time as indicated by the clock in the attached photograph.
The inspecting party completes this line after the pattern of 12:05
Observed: 12:36
